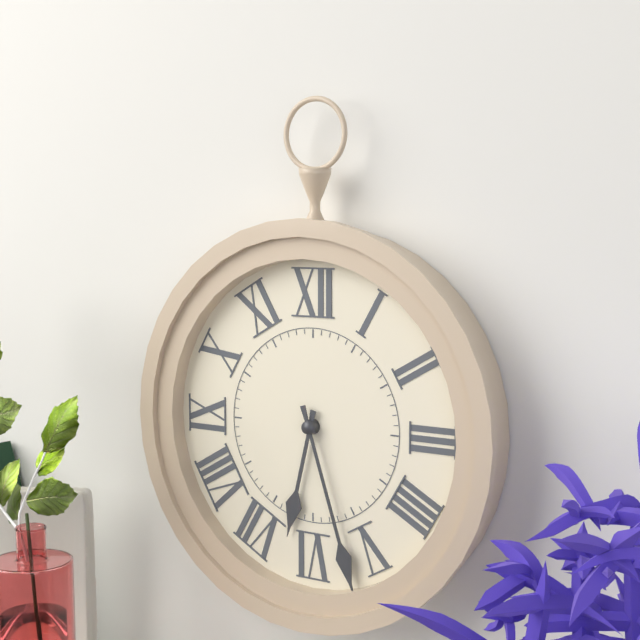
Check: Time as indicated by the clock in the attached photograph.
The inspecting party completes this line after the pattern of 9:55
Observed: 6:27
